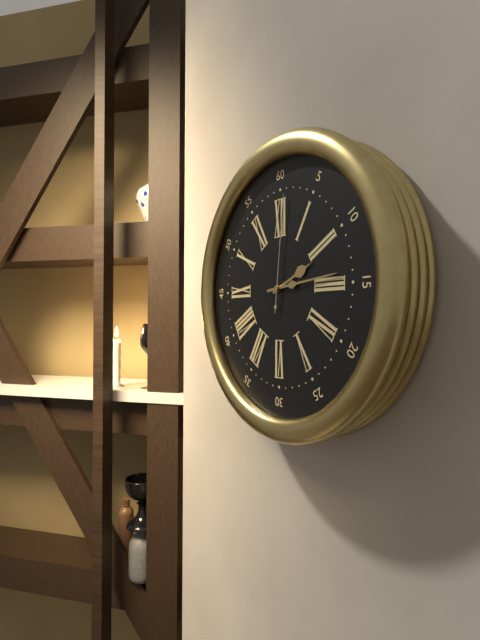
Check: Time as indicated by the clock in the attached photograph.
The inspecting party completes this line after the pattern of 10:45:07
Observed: 2:14:01
